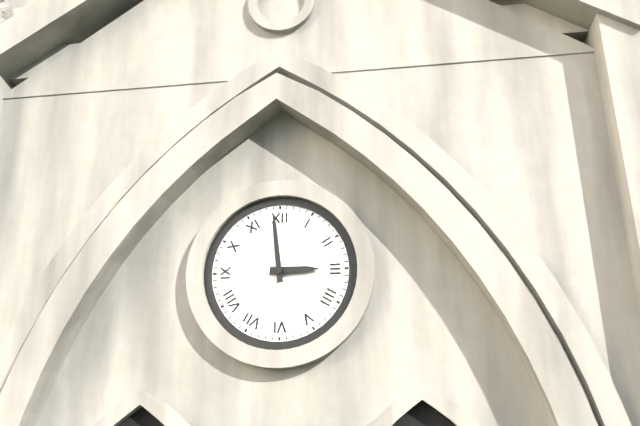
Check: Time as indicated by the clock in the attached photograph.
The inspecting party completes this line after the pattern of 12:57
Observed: 2:59
